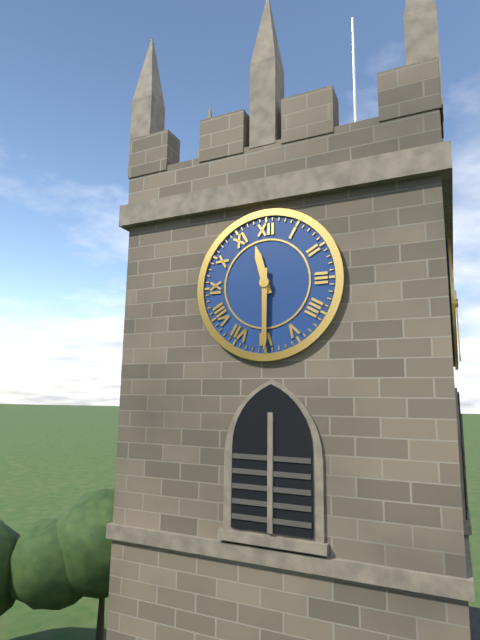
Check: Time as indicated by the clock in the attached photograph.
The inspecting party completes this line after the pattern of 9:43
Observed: 11:30
